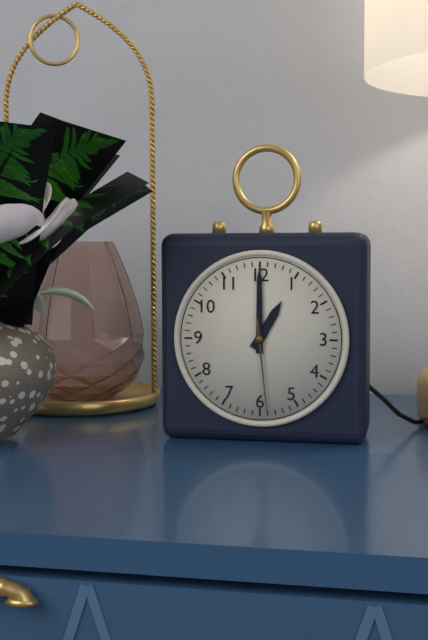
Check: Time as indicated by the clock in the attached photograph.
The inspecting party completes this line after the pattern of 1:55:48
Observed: 1:00:29
